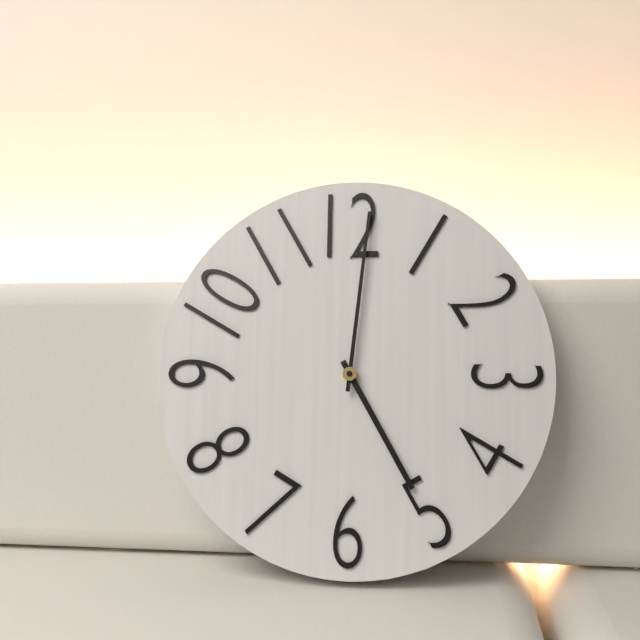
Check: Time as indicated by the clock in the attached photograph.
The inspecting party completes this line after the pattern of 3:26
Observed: 5:01
